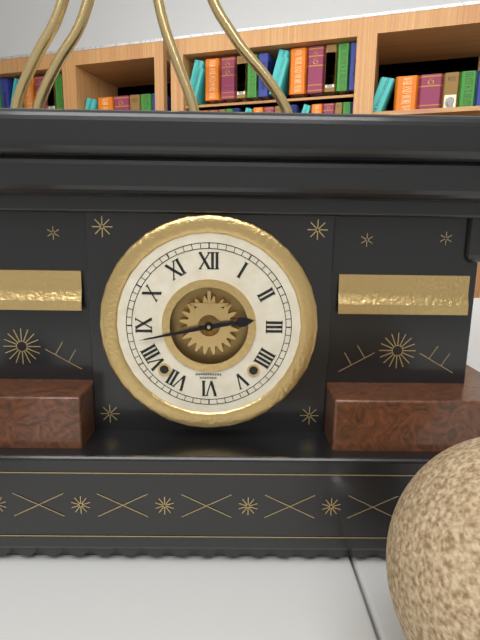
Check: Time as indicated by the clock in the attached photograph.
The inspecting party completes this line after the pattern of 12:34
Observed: 2:43
